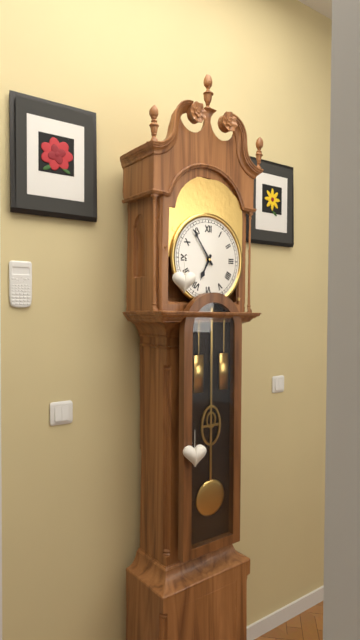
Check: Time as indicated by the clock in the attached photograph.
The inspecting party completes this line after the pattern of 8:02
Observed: 6:54
